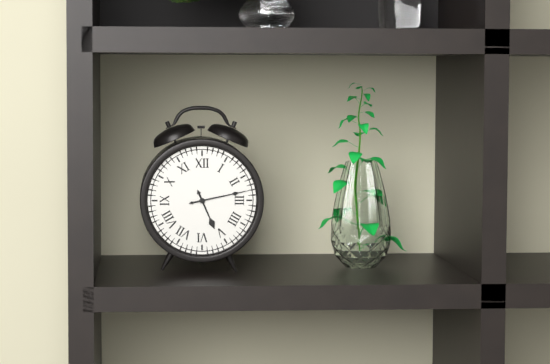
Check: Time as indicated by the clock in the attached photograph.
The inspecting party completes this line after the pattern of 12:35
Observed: 5:13
